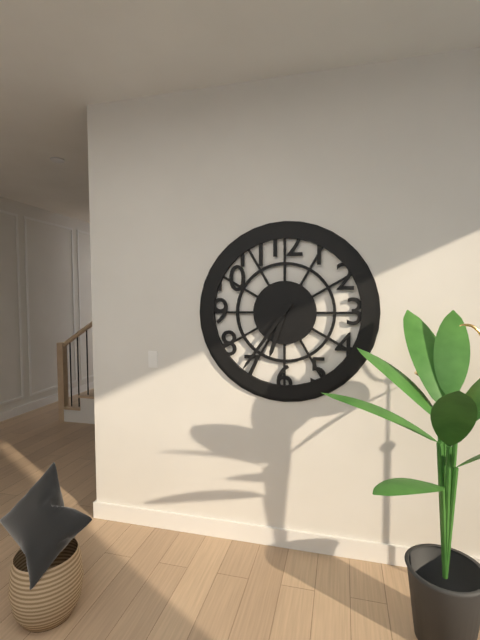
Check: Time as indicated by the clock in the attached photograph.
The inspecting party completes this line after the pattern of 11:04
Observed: 6:36
